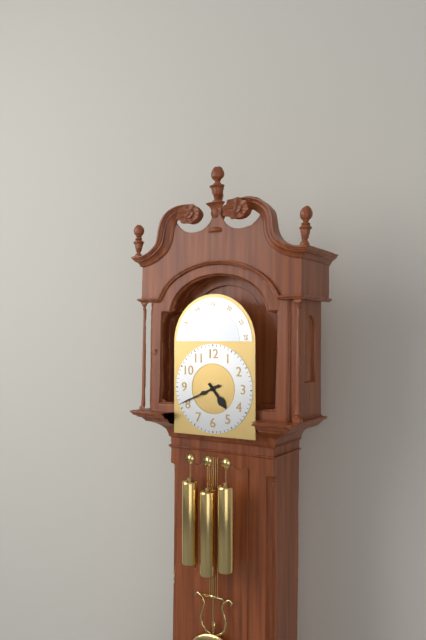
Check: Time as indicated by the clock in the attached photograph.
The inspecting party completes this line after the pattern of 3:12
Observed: 4:41
